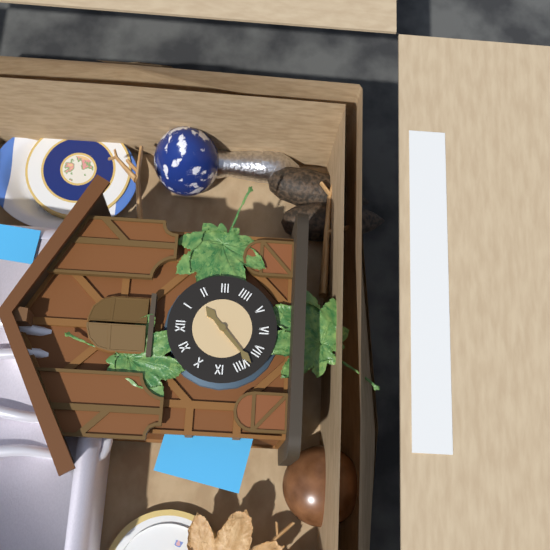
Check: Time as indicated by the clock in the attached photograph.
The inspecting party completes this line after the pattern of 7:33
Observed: 1:38
